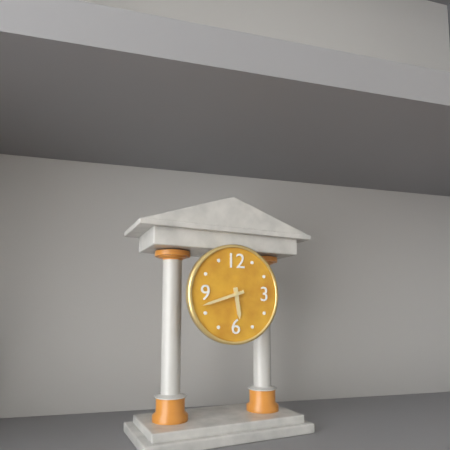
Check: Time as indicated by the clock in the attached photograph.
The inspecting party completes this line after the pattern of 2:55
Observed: 5:42
